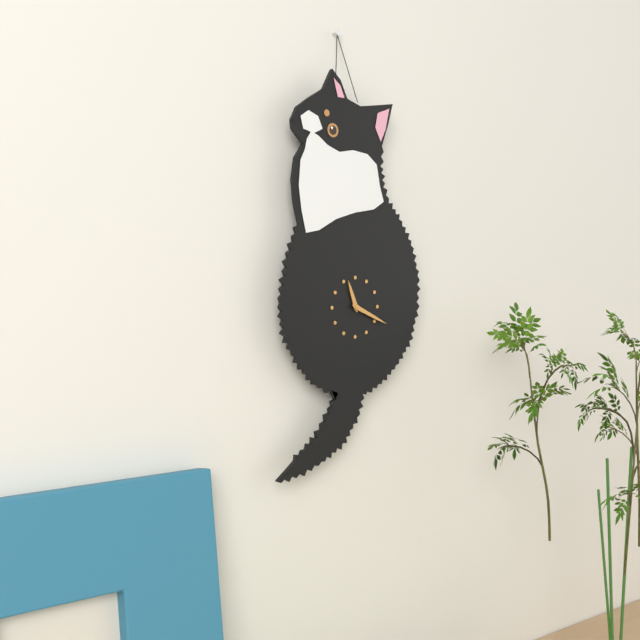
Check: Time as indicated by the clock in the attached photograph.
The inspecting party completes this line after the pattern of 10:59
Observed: 11:19
